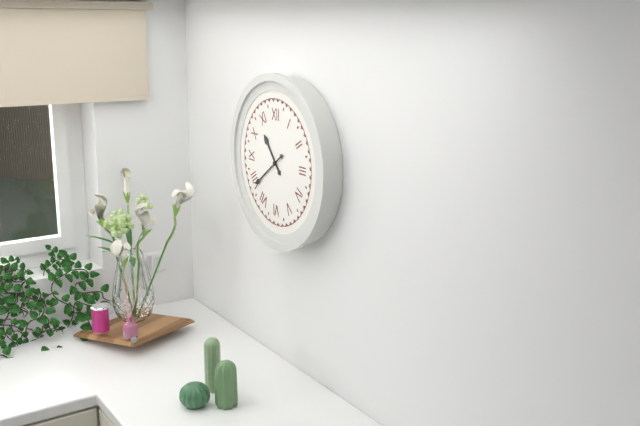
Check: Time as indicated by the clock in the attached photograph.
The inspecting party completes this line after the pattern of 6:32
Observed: 10:39
